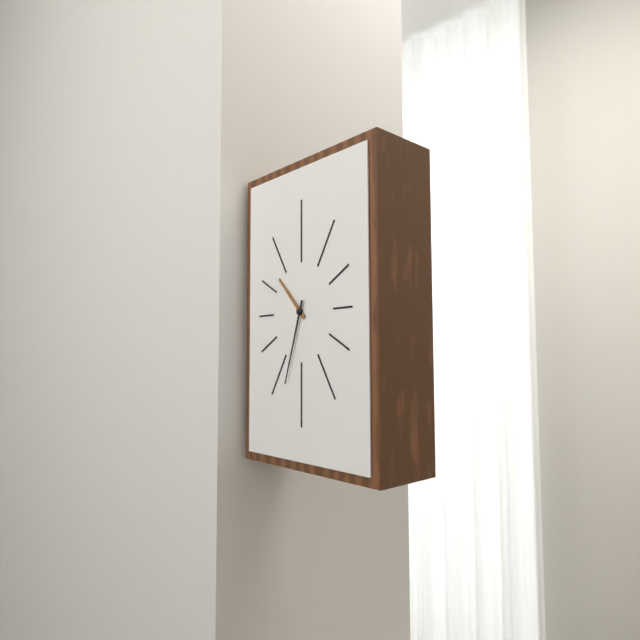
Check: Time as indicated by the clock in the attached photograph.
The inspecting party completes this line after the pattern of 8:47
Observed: 10:33
